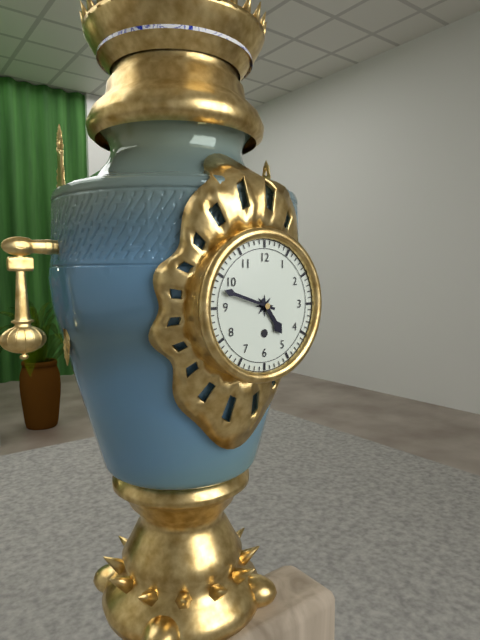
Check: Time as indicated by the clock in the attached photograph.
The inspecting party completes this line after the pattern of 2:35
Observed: 4:48
